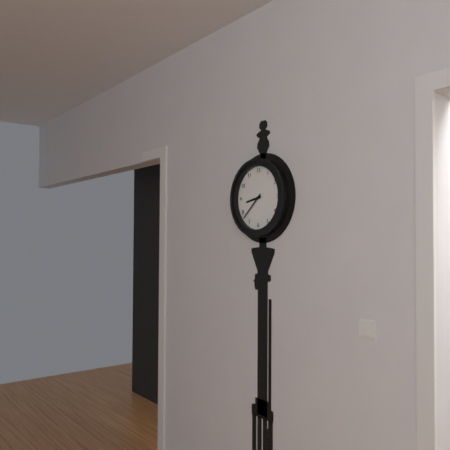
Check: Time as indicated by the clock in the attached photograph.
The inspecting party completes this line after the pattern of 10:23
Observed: 8:38
